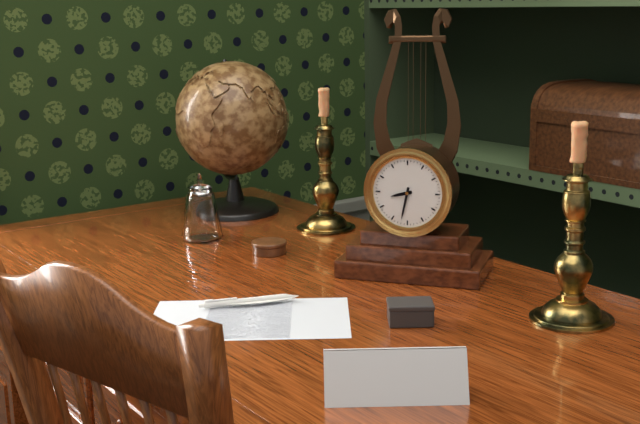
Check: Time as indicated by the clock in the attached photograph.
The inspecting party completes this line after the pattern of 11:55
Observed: 8:32
